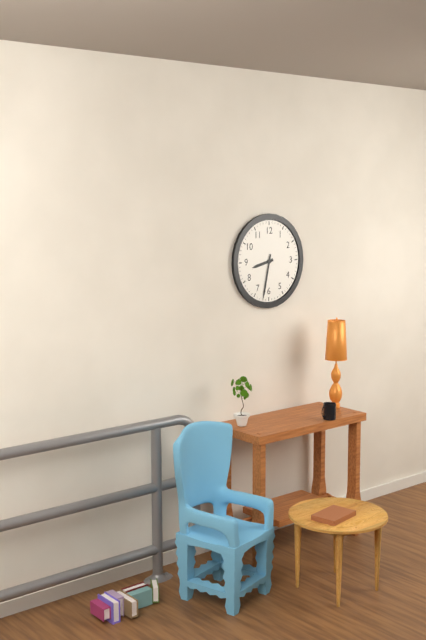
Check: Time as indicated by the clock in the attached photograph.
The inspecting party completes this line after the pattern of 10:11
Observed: 8:32
